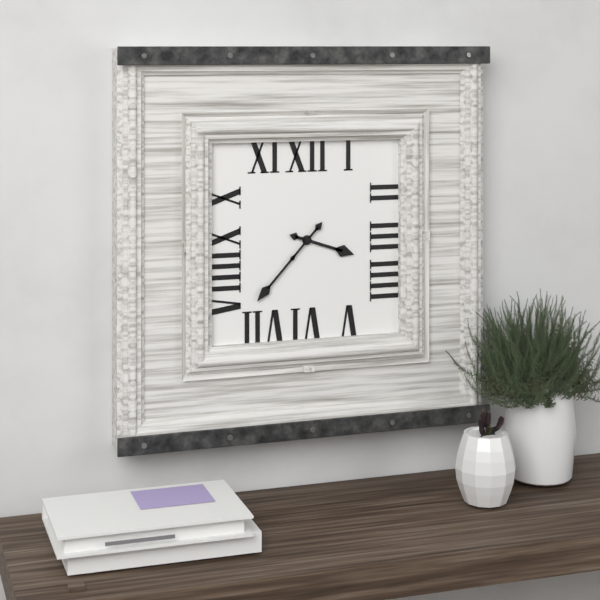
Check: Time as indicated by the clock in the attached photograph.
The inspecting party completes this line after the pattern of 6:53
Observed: 3:37
